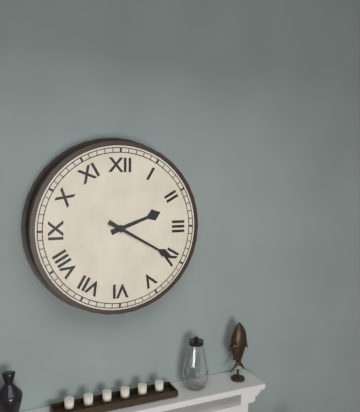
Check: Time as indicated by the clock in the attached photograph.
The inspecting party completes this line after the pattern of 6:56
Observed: 2:20
